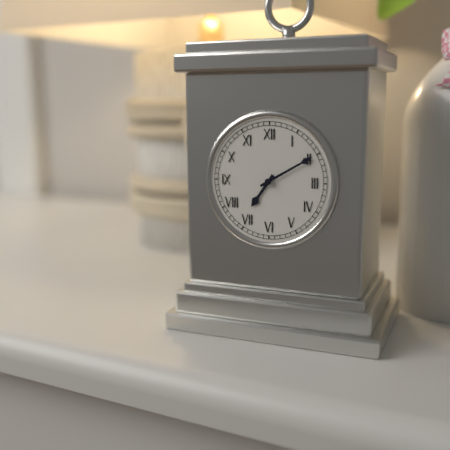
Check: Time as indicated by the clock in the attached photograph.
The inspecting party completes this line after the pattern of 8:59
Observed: 7:10
